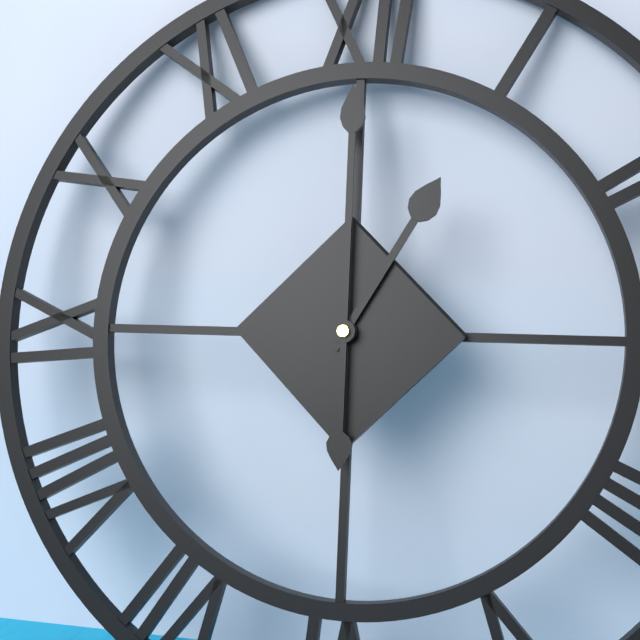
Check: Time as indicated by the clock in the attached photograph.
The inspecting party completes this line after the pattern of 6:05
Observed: 1:00
